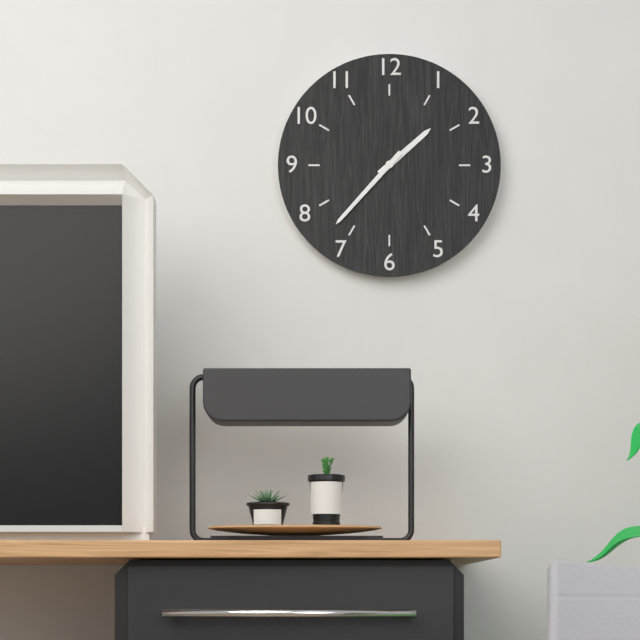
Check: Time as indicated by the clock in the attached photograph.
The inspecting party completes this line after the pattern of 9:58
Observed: 1:37
